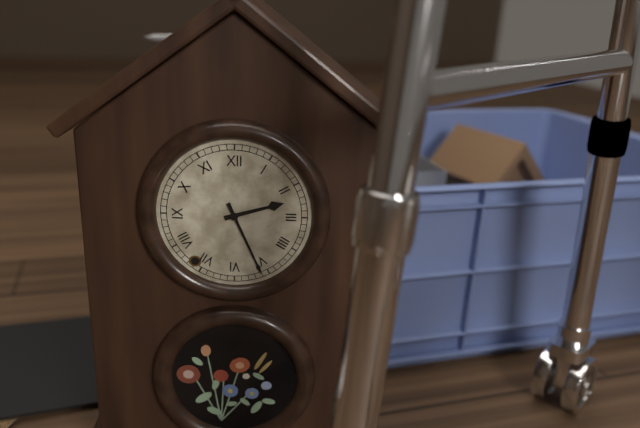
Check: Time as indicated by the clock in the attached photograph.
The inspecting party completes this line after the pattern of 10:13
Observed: 2:26
